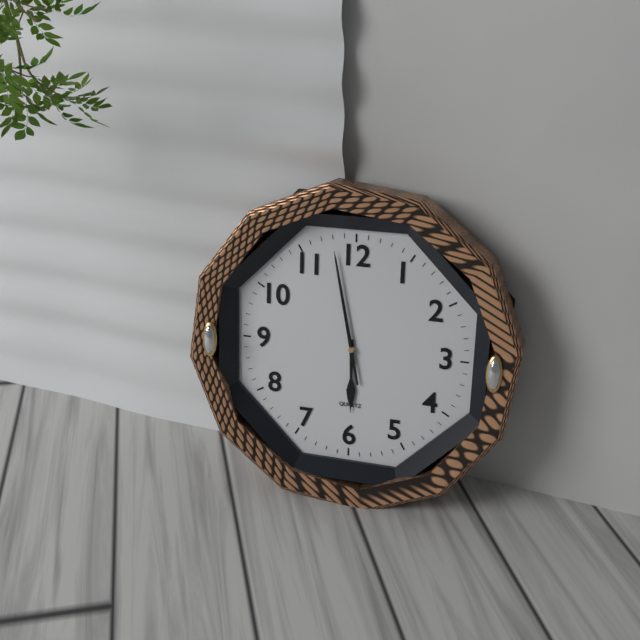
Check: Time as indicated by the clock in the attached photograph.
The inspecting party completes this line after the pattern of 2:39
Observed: 5:58
